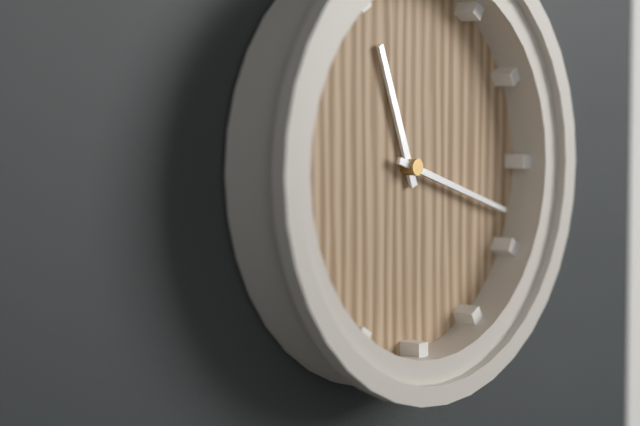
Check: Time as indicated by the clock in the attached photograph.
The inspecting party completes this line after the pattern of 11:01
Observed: 11:18
